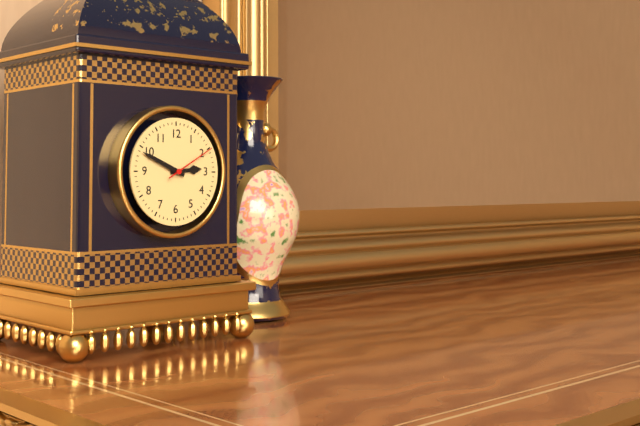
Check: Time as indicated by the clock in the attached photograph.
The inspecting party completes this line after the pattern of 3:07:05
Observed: 2:49:10
